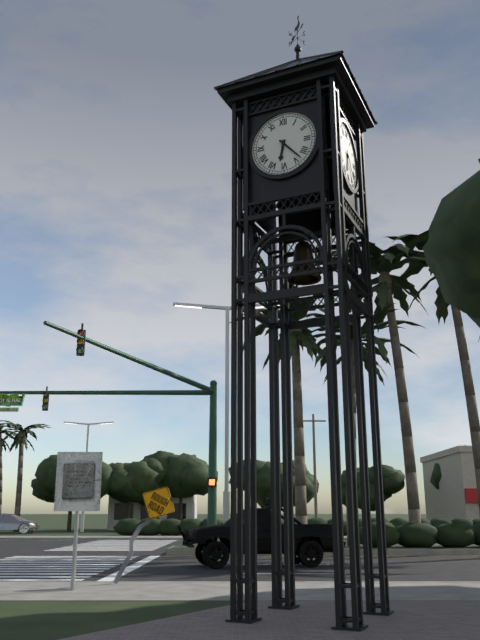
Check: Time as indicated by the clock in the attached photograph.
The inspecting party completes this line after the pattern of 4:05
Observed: 6:23
